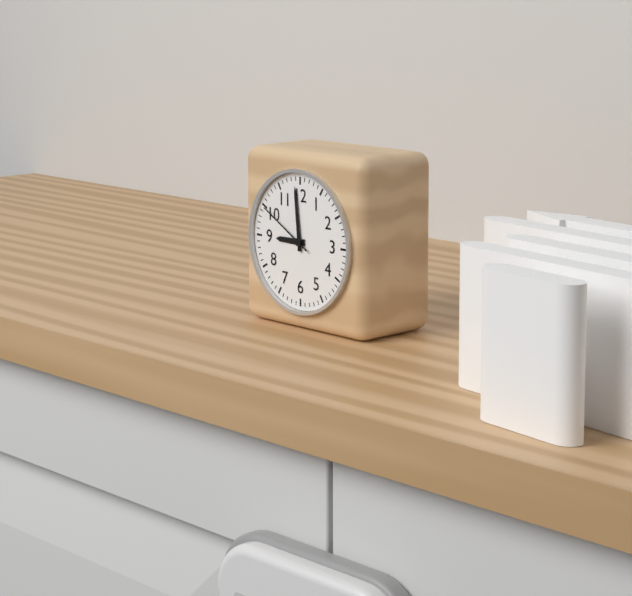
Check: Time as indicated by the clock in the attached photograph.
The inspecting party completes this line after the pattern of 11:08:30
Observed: 8:59:50
